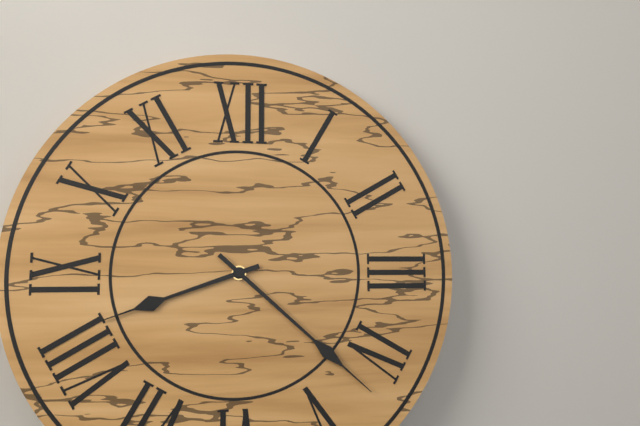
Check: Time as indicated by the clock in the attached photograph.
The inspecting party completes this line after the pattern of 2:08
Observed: 8:22
